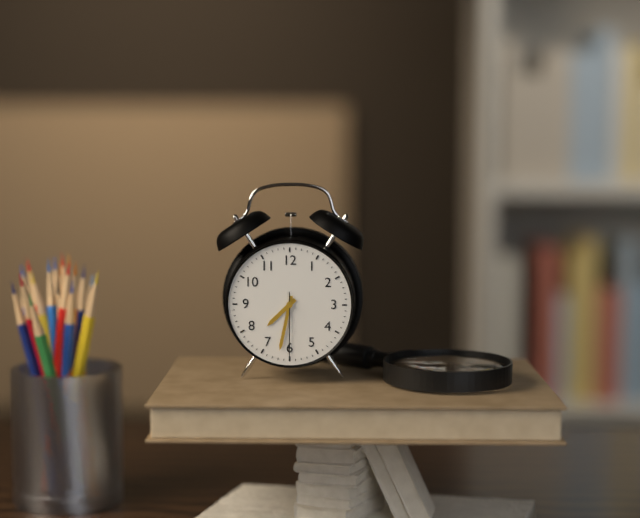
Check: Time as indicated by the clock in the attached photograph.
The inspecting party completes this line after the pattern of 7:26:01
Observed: 7:32:30
